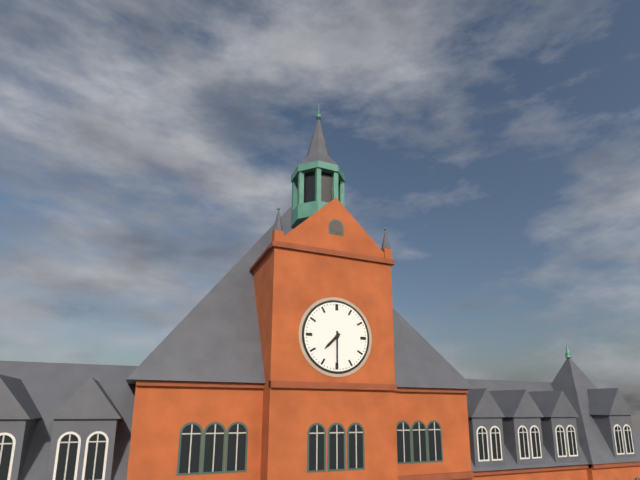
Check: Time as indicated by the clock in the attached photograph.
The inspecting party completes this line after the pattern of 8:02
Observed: 7:30
